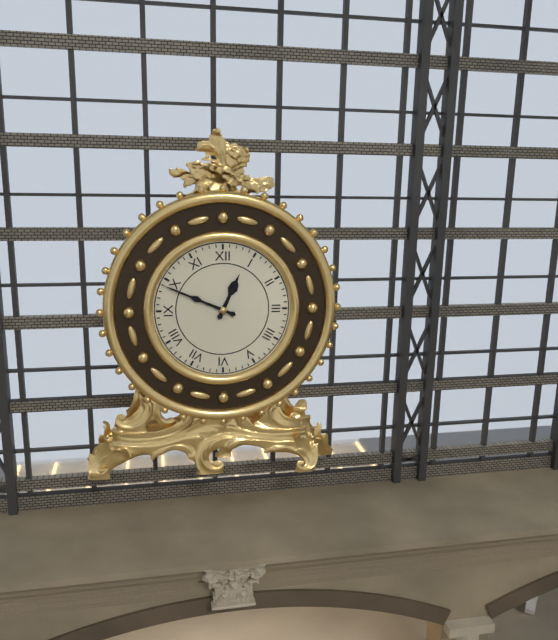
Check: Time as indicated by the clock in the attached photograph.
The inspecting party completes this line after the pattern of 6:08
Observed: 12:49
